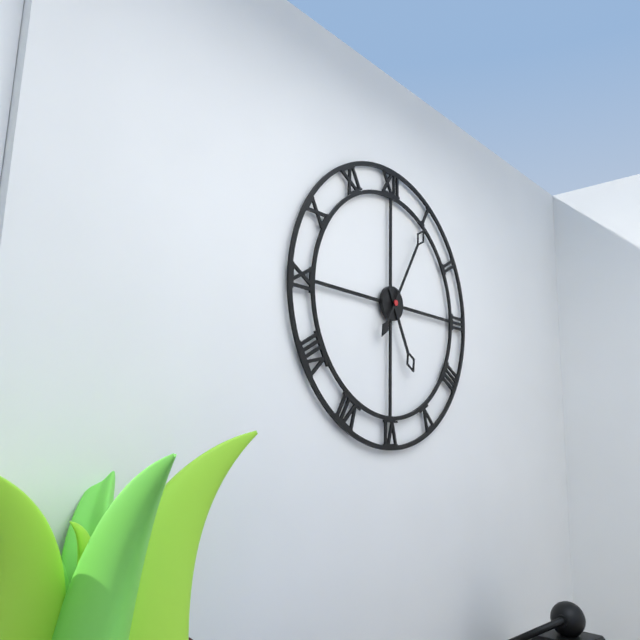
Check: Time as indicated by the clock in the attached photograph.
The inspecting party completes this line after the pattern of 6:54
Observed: 5:05
